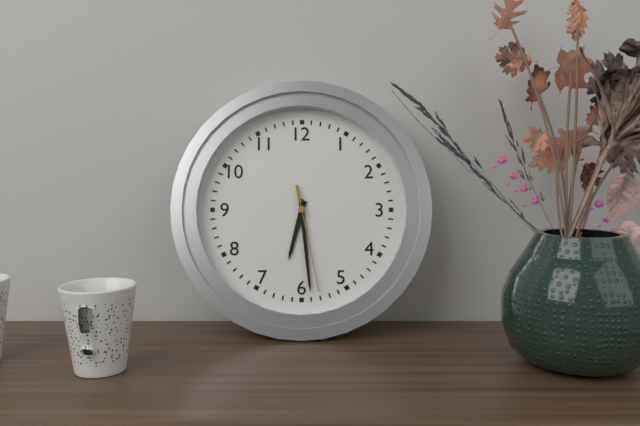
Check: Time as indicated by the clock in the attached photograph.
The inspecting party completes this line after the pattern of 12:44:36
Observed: 6:29:28
